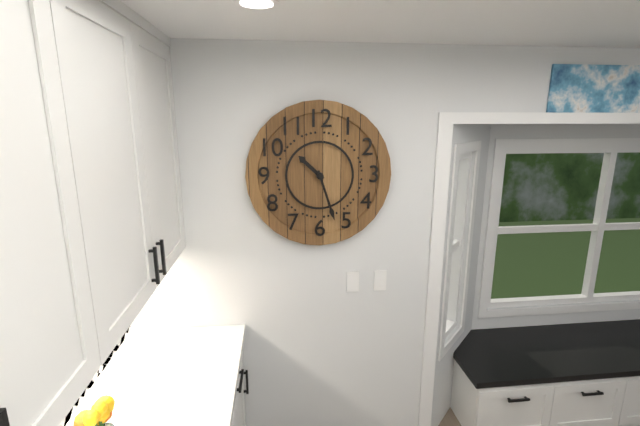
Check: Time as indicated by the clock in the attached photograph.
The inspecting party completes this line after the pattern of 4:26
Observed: 10:27
